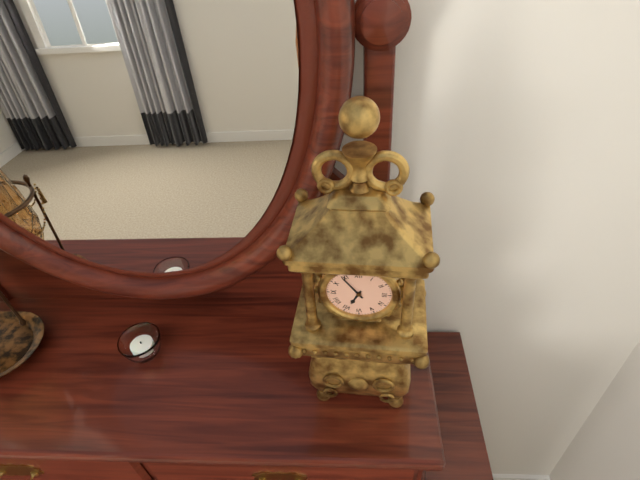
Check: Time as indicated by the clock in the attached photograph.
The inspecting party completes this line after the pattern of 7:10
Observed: 6:54
